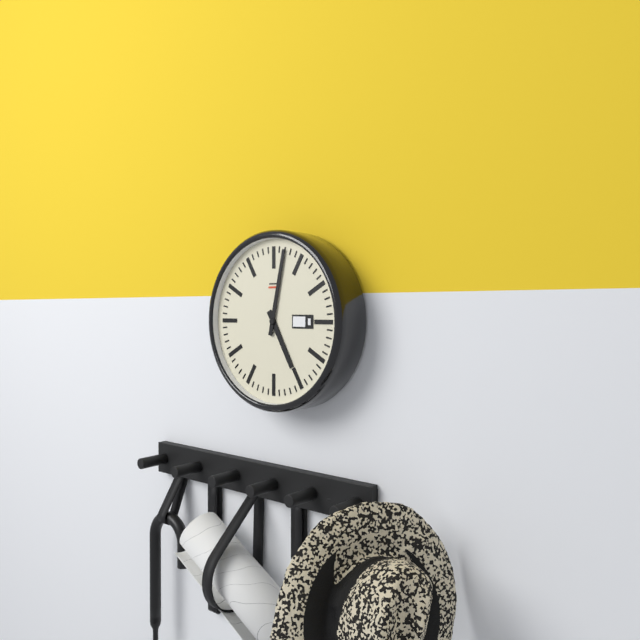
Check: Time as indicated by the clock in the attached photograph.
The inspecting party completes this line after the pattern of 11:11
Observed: 5:02
